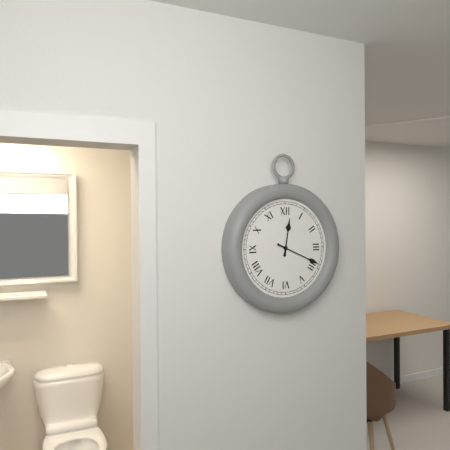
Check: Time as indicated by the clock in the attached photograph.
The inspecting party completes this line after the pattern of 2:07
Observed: 12:19
